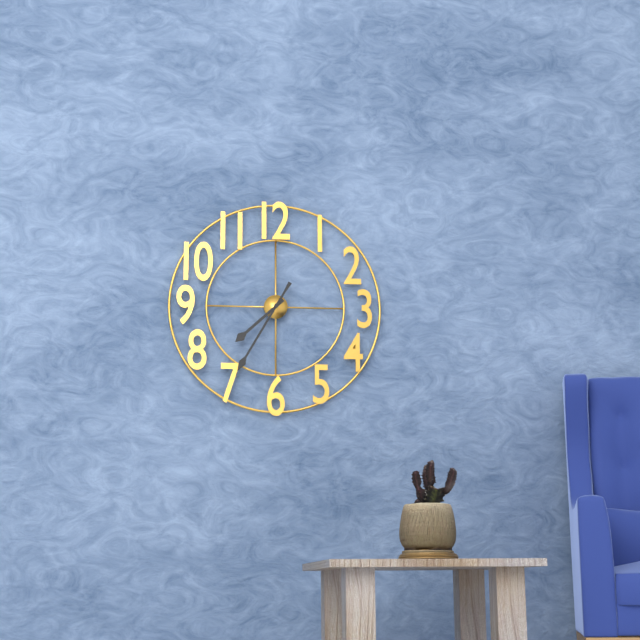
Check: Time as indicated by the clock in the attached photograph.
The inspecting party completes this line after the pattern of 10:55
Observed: 7:35
